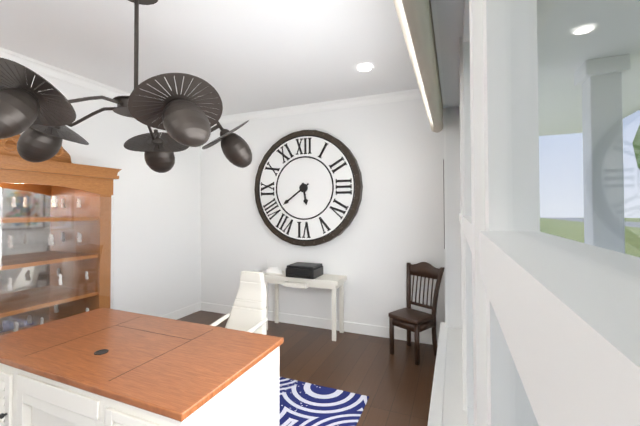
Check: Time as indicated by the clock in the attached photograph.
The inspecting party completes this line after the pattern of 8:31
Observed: 5:39
